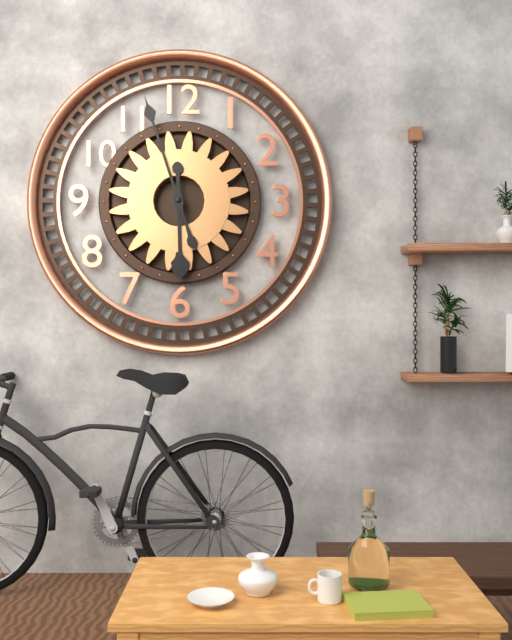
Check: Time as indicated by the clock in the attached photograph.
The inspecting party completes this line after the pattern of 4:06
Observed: 5:57
